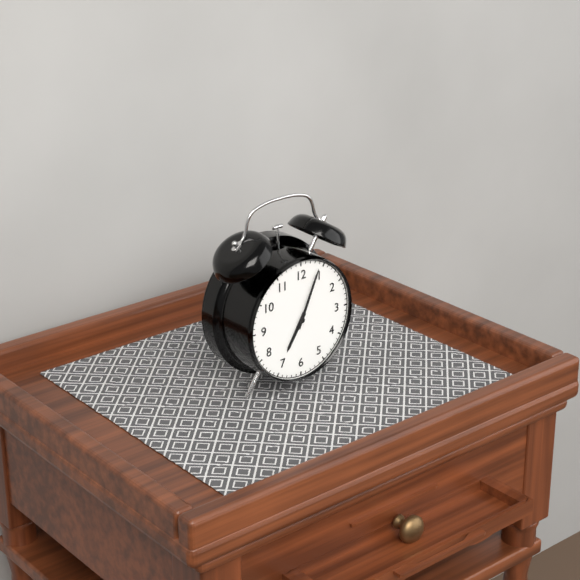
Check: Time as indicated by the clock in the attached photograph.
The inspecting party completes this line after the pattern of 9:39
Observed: 7:04
